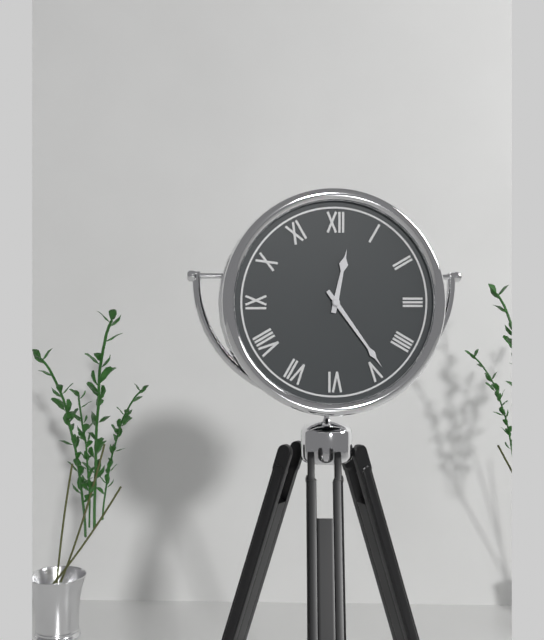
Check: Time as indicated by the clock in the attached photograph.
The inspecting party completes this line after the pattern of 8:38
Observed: 12:24
